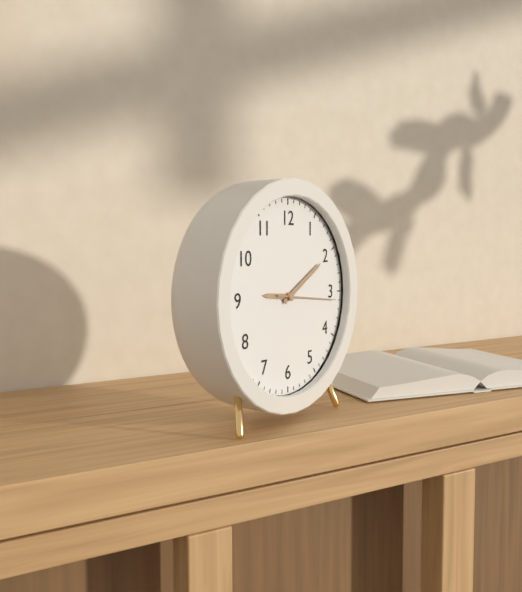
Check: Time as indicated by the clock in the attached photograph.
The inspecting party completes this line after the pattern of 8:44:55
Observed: 9:10:16
